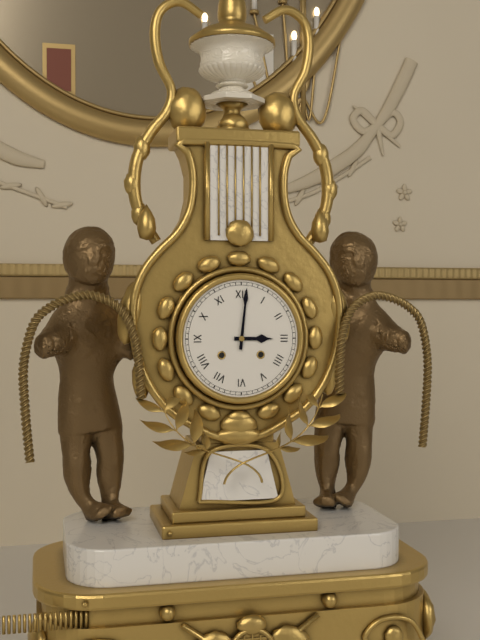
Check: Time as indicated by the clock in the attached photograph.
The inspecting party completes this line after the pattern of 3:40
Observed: 3:01
